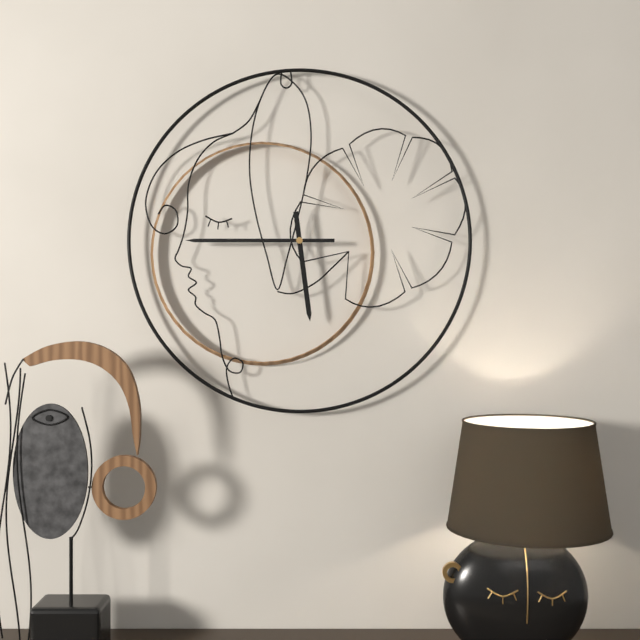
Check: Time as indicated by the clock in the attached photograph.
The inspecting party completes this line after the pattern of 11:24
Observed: 5:45
